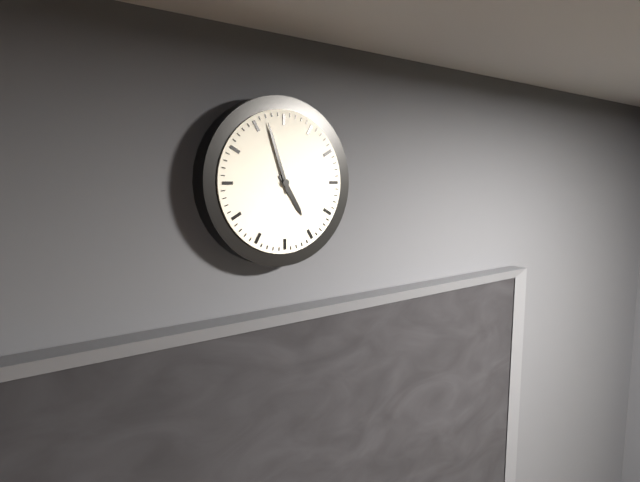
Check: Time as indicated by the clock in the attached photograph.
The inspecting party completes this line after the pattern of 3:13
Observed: 4:57
